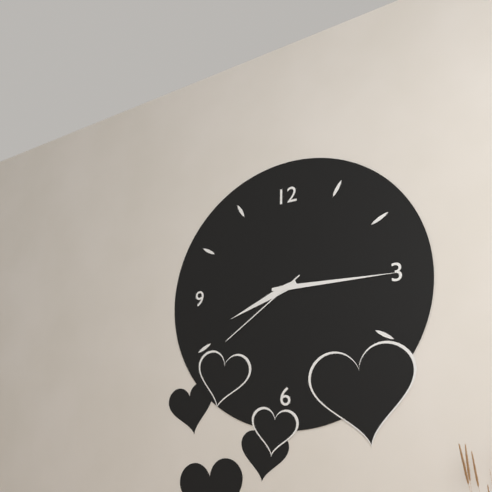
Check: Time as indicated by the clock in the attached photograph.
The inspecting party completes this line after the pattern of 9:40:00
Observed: 8:15:39
